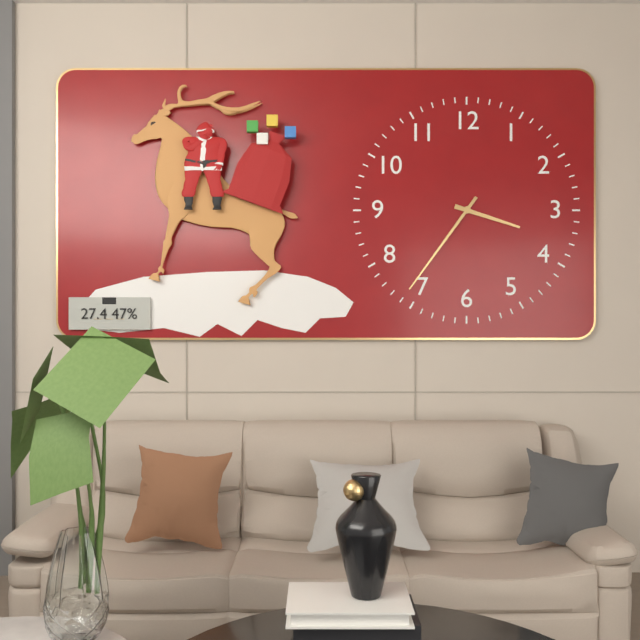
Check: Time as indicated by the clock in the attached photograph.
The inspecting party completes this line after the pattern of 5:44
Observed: 3:36
